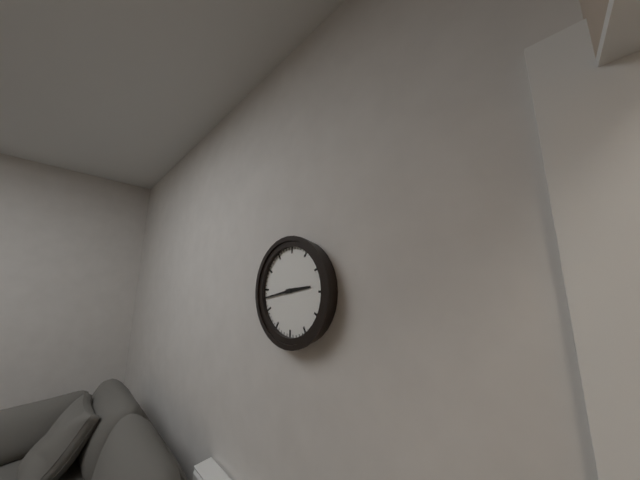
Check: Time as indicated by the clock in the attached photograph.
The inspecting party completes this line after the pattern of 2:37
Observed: 2:43
